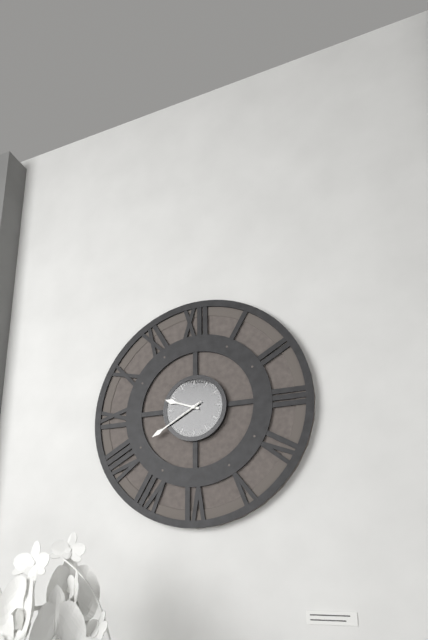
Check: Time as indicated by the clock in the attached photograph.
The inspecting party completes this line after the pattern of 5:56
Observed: 9:40
